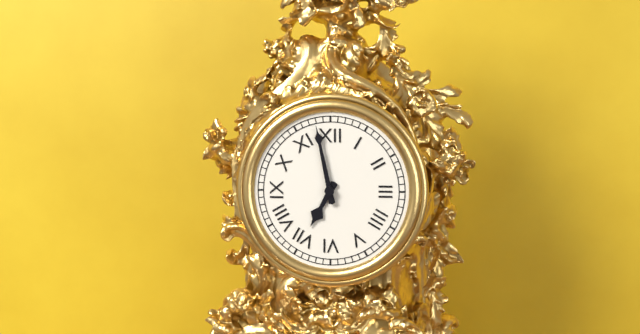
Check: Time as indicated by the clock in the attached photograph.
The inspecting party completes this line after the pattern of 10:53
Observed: 6:58
